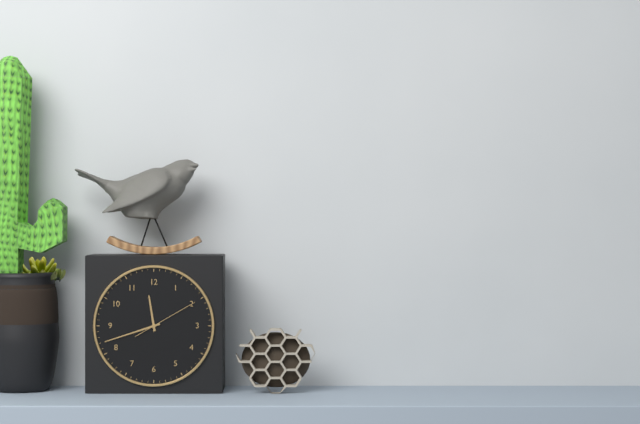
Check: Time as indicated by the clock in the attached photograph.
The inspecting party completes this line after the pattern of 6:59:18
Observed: 11:42:10
